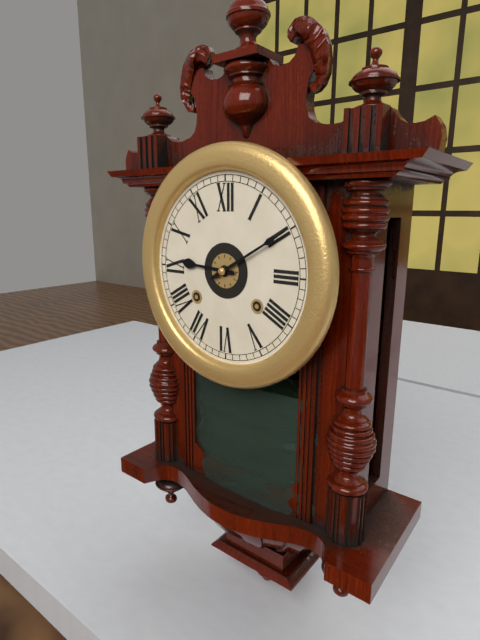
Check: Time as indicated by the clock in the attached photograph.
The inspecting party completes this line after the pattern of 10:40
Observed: 9:10
